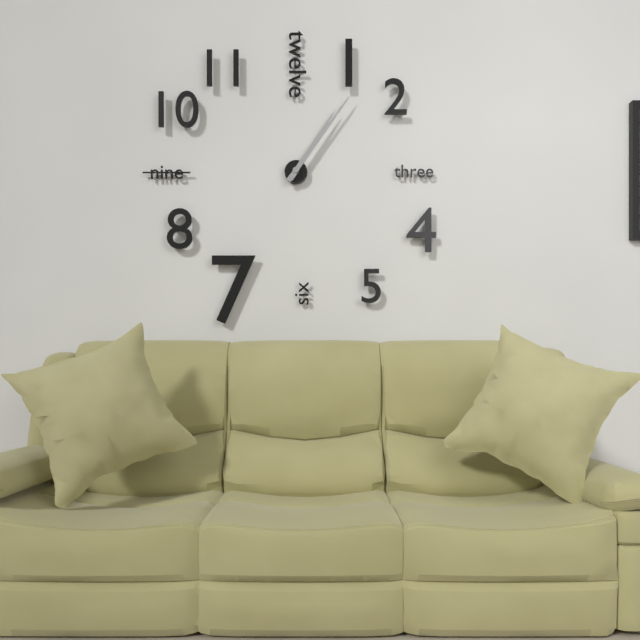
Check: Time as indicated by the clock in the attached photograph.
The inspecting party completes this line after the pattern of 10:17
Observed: 1:06
